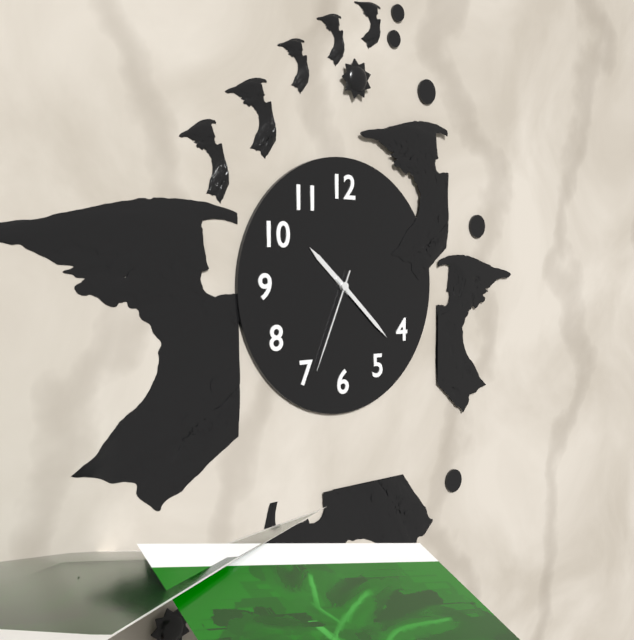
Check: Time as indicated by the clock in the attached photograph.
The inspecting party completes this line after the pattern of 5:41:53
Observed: 10:22:34
